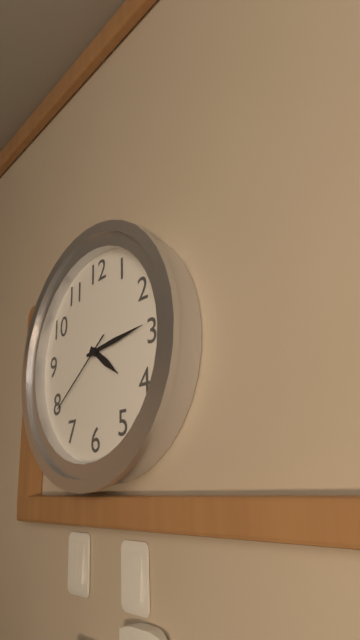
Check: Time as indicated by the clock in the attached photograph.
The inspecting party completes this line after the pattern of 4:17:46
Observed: 4:14:39
